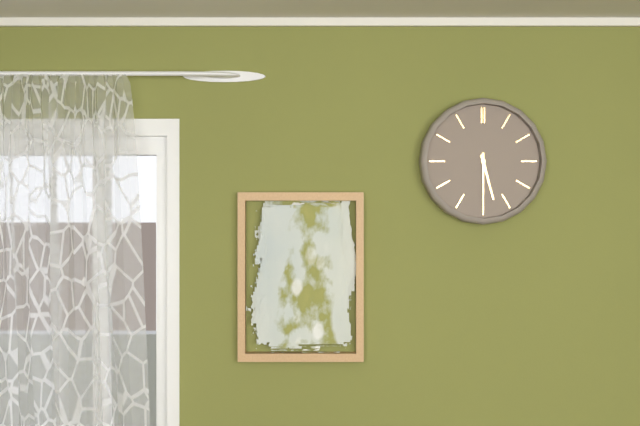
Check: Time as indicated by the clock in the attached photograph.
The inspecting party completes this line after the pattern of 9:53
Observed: 5:30
